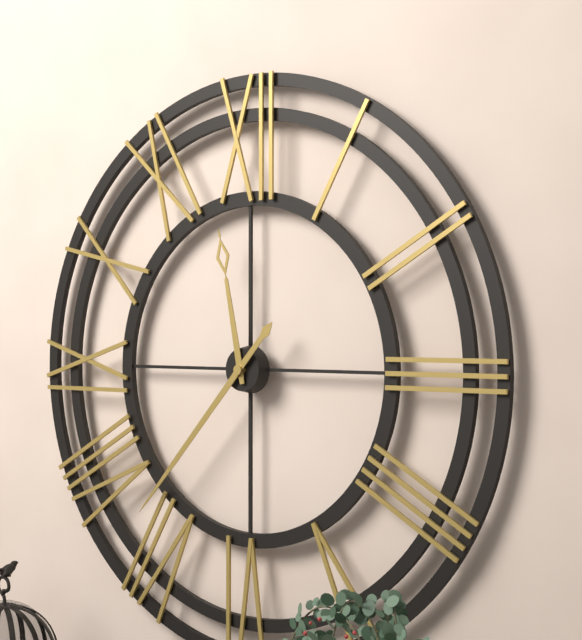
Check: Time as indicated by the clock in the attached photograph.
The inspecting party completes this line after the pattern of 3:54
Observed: 11:37
